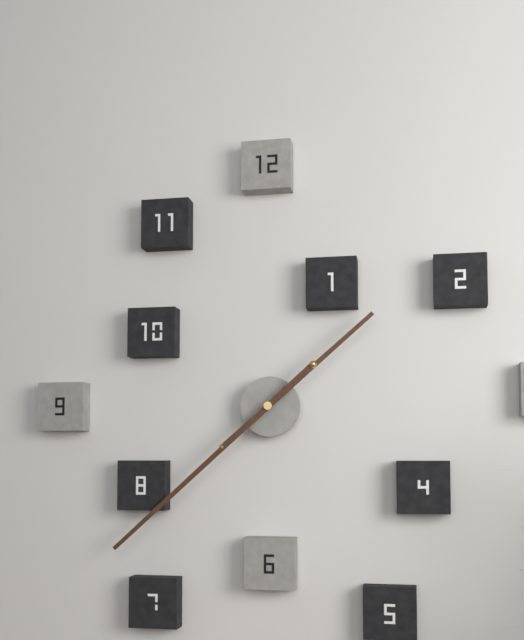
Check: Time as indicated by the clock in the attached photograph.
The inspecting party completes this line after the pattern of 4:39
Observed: 1:38
